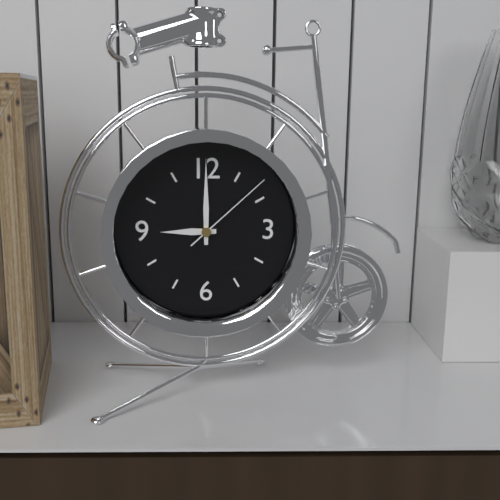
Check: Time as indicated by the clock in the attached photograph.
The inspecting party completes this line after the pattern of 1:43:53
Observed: 9:00:08
